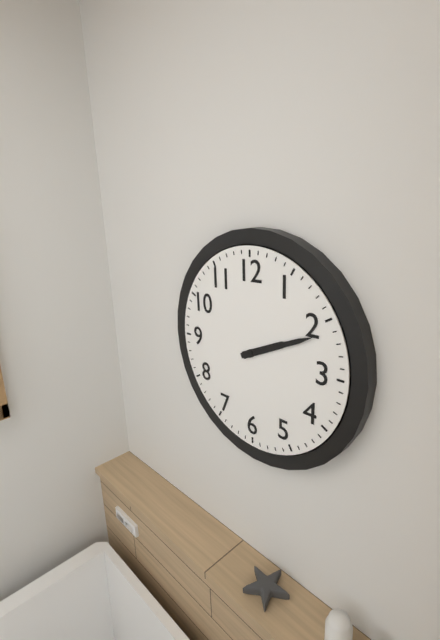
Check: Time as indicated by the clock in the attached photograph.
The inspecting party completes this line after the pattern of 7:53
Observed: 2:11
